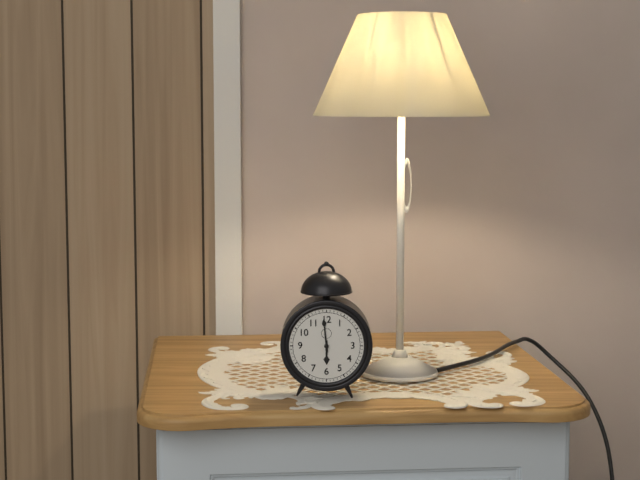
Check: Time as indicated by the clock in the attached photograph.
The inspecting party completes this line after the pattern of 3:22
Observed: 5:59
